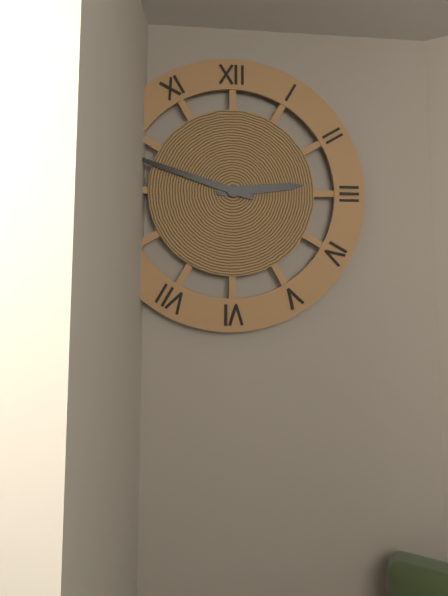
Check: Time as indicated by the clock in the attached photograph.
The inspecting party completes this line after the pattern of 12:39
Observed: 2:48
